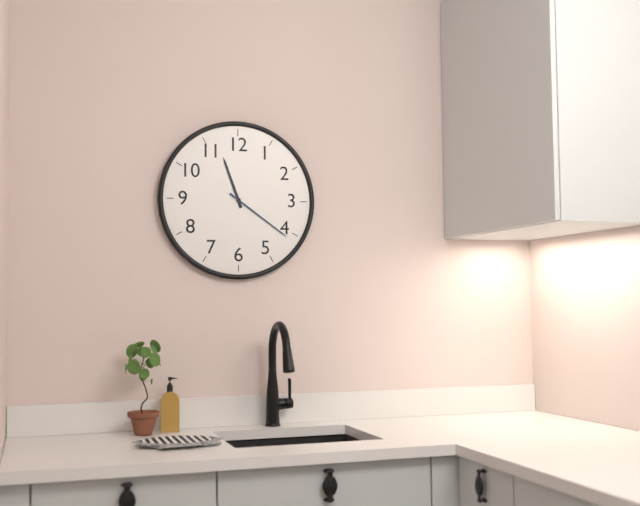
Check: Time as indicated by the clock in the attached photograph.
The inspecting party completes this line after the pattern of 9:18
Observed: 11:21
